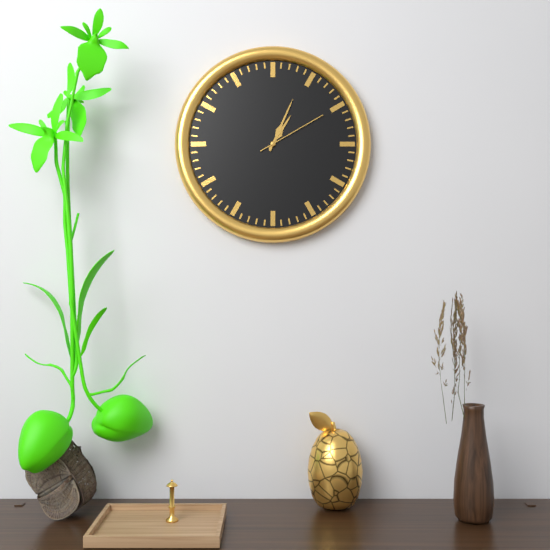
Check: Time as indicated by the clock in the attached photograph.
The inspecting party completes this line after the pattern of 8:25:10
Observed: 1:04:10
